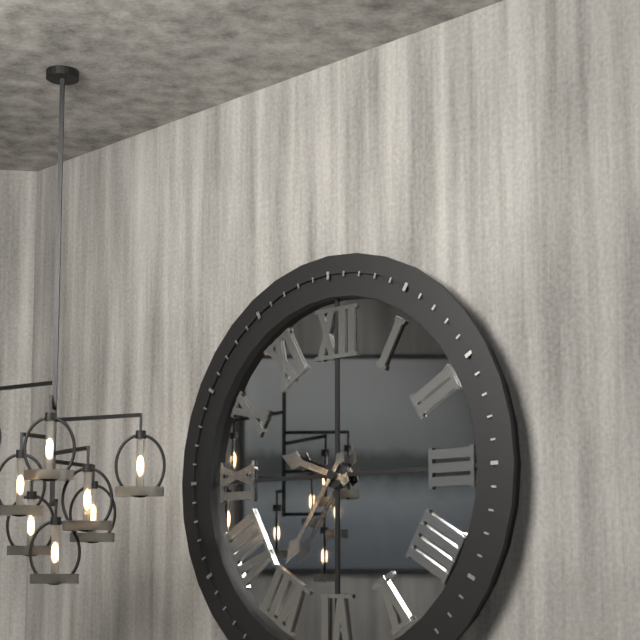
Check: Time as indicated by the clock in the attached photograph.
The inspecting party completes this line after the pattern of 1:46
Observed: 9:36
